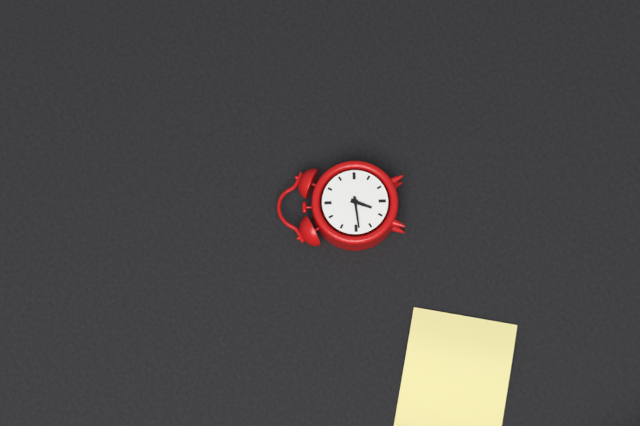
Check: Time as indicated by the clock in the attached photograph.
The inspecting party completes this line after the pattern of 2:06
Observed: 6:44
